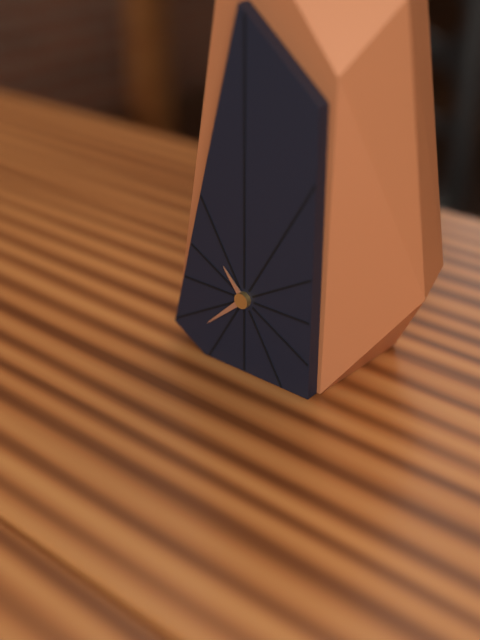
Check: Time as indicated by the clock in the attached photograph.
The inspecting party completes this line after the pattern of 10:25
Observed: 10:38
